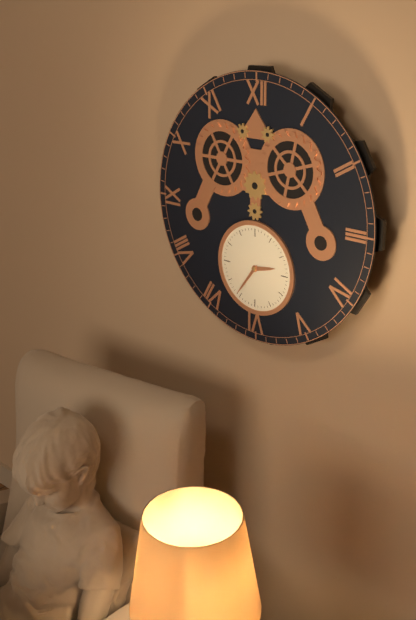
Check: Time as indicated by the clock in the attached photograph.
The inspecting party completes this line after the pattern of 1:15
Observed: 2:36
